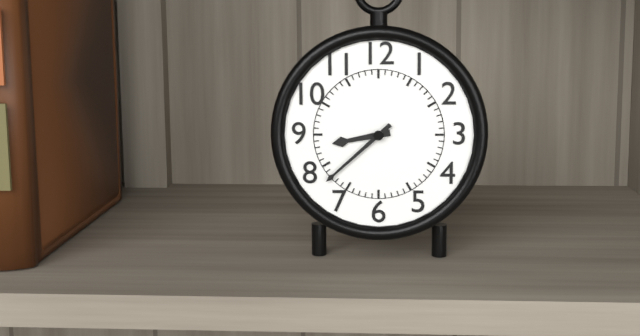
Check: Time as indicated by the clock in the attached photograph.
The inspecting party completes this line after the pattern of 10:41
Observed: 8:38
